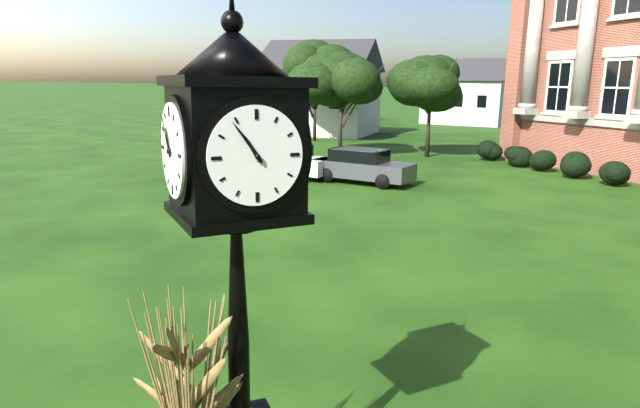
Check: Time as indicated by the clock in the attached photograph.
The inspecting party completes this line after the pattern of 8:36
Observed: 10:54
